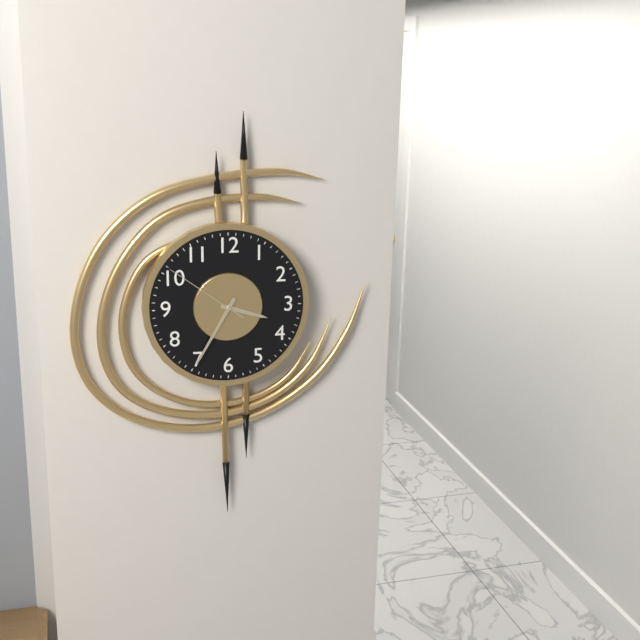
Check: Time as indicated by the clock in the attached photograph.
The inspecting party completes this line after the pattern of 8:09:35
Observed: 3:35:51
